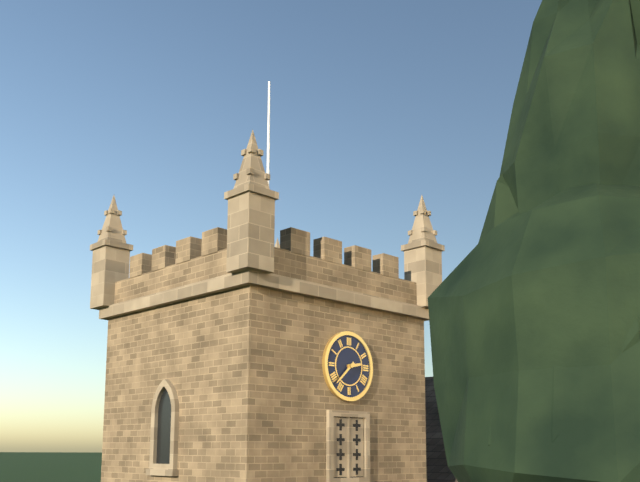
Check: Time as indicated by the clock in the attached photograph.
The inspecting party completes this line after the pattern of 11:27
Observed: 2:38
